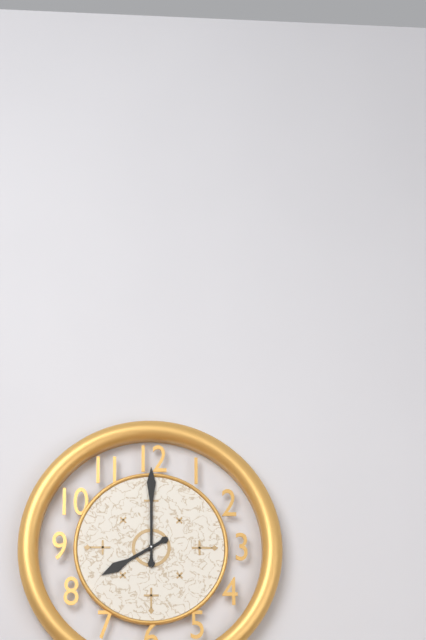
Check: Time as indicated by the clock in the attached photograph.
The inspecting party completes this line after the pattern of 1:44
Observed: 8:00
